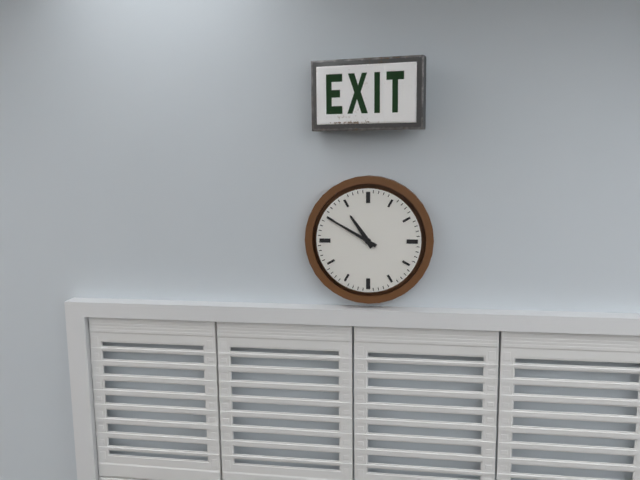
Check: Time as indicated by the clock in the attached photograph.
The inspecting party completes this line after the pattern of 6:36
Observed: 10:50
